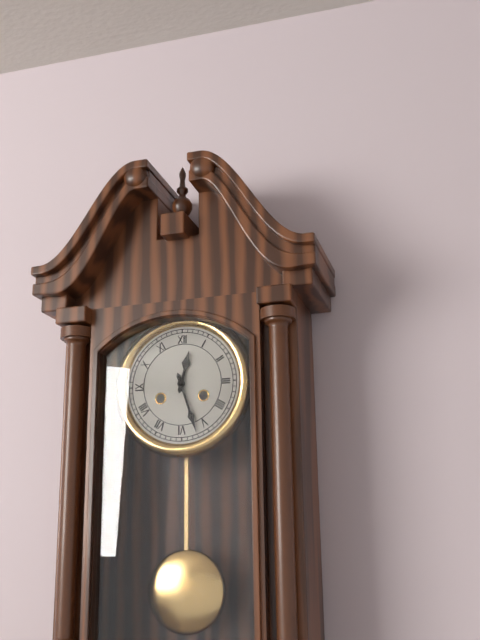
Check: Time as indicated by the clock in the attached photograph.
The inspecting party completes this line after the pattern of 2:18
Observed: 12:27
